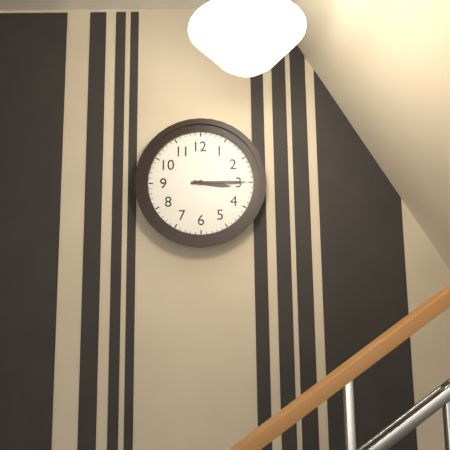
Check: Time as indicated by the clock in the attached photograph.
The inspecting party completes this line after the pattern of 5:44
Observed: 3:15
